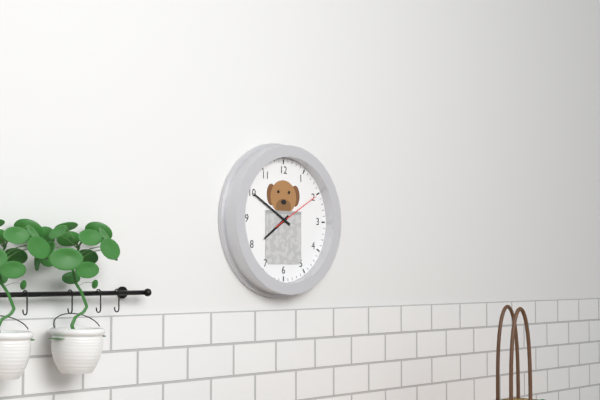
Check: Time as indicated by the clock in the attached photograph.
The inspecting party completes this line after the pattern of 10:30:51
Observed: 7:50:10
